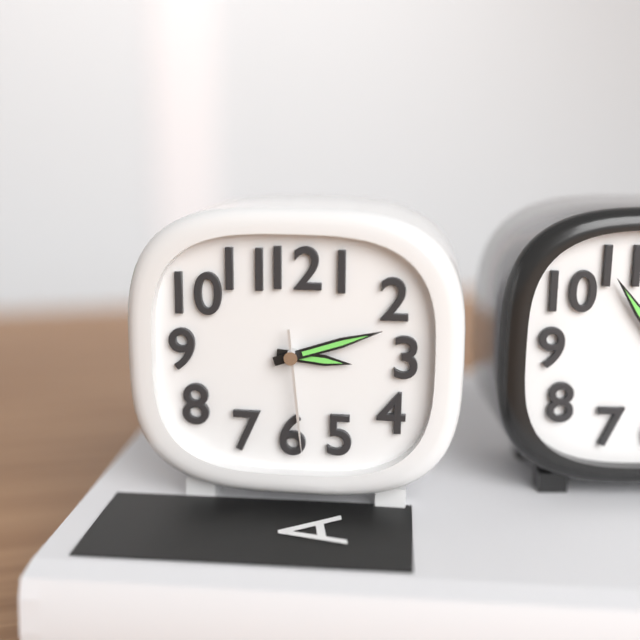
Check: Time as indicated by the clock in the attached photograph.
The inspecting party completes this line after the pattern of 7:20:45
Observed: 3:12:29
